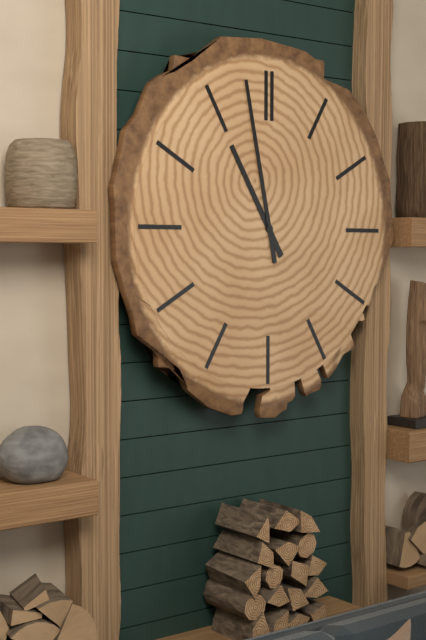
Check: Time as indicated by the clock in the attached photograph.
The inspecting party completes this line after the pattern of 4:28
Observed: 10:58
